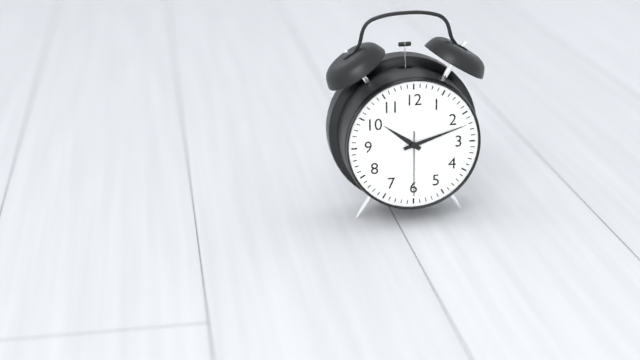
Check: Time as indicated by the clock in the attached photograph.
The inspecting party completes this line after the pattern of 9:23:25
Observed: 10:12:30
